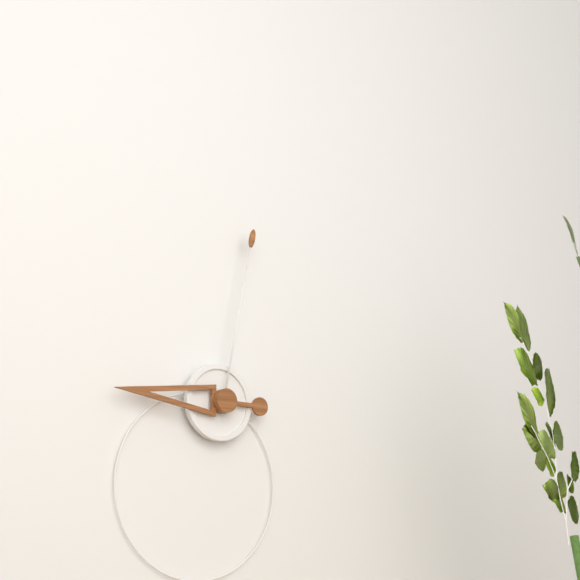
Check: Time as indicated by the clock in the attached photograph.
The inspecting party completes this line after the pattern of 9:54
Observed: 9:02
